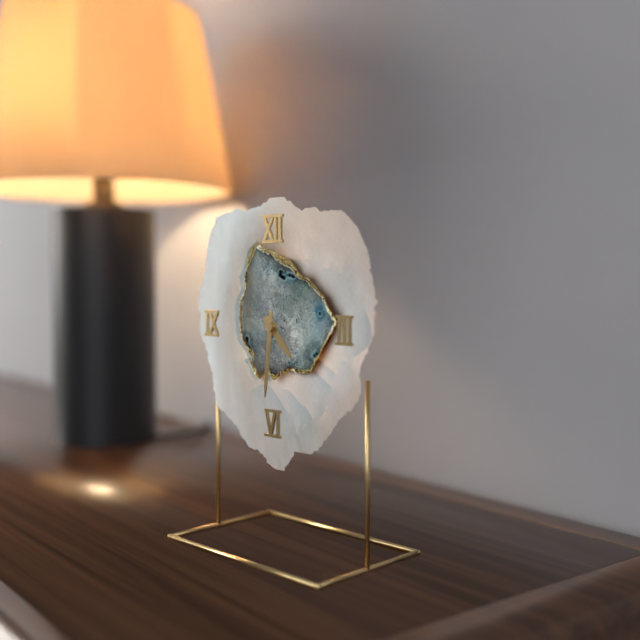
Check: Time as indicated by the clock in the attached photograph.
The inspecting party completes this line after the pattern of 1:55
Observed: 4:31
